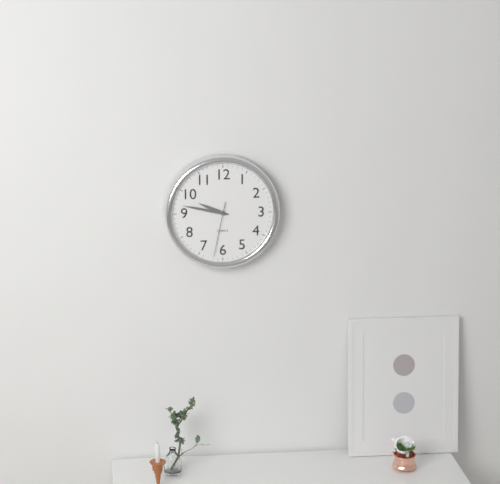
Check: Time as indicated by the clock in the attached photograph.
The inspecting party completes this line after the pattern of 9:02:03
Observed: 9:47:32
